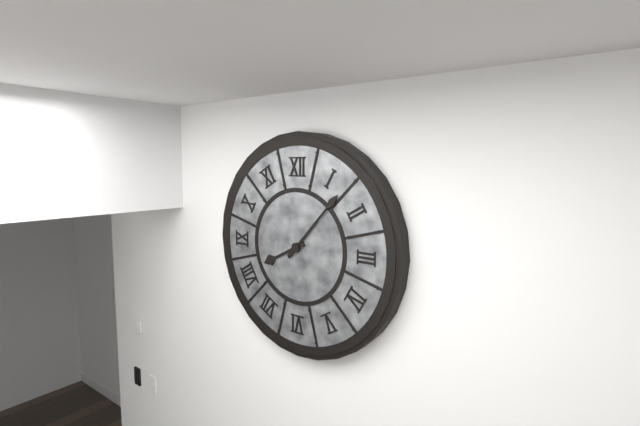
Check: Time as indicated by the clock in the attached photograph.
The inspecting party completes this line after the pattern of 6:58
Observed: 8:07
